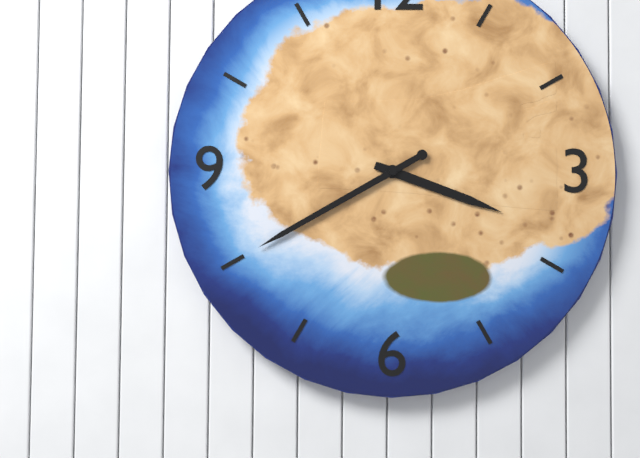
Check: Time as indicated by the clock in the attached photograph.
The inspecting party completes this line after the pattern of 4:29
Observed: 3:40
